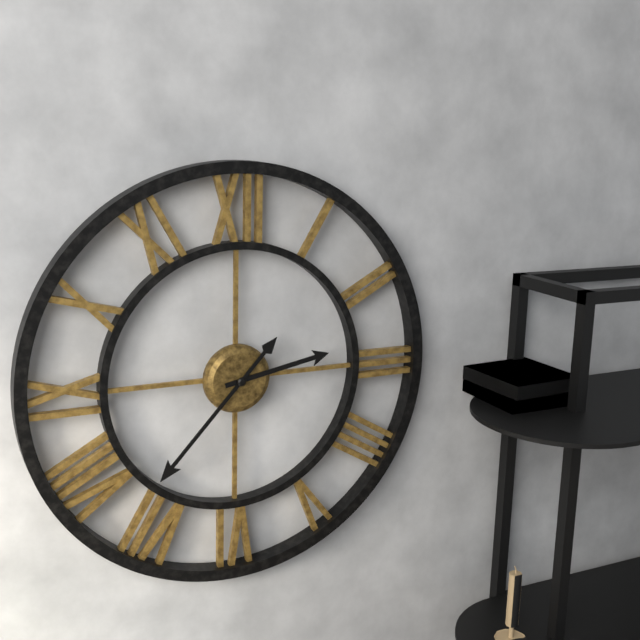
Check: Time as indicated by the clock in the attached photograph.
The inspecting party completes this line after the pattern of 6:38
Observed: 2:37
